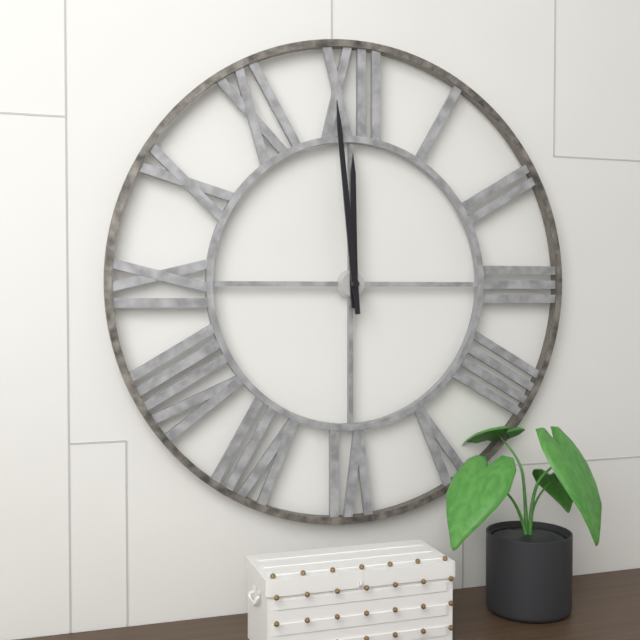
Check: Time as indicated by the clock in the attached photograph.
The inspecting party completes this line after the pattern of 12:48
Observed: 11:59
